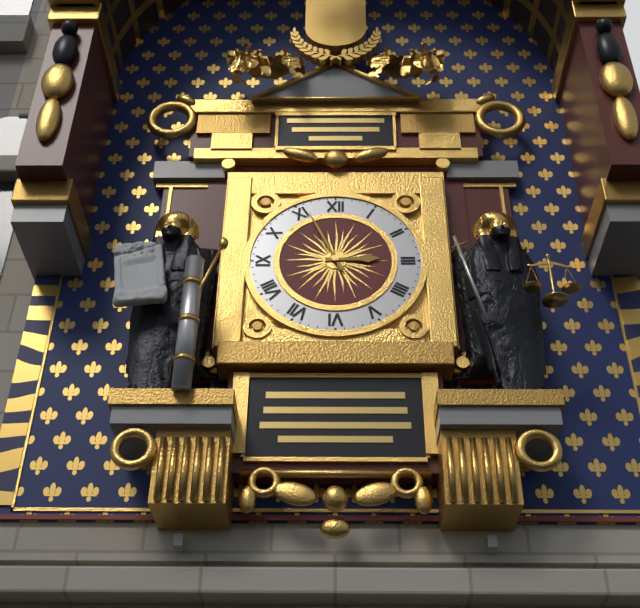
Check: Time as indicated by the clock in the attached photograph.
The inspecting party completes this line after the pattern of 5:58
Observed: 2:56
